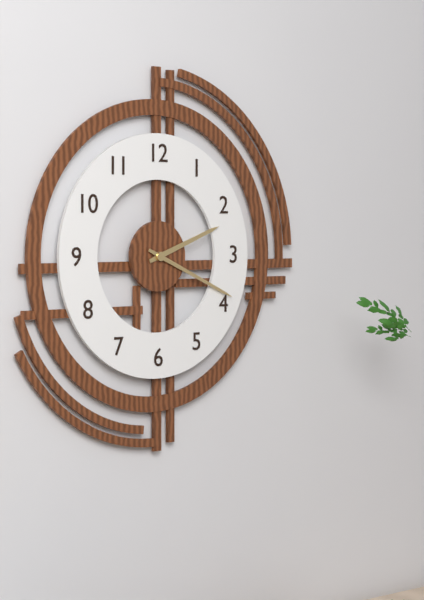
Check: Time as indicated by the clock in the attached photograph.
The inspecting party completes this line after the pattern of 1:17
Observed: 2:19
